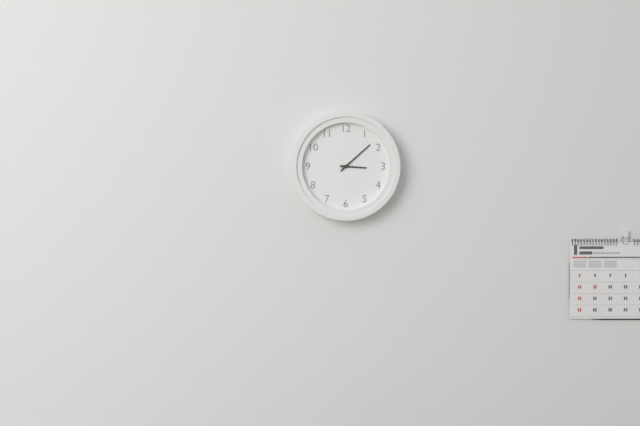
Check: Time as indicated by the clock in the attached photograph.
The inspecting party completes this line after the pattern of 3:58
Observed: 3:08
